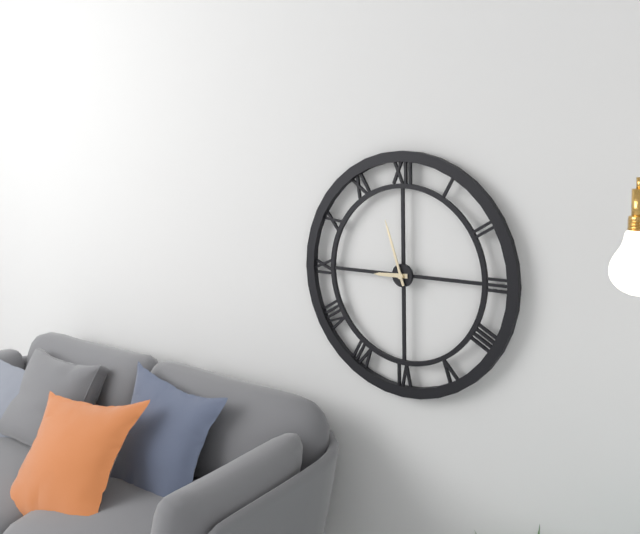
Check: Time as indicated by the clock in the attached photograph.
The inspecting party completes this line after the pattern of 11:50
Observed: 8:57
